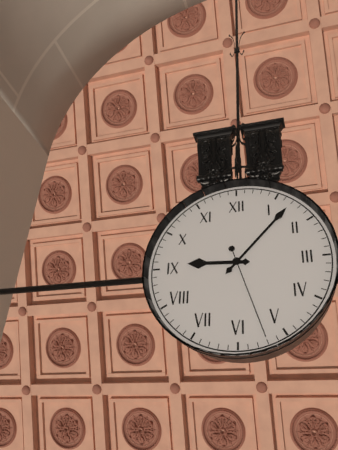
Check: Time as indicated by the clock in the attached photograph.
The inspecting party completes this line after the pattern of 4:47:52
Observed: 9:07:27
